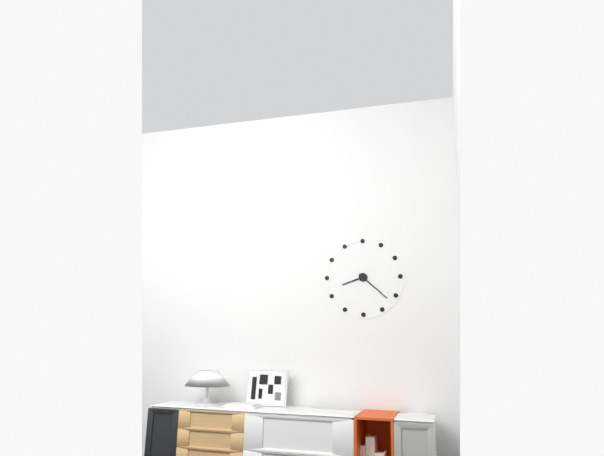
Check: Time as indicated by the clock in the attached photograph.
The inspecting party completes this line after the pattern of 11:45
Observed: 8:22
